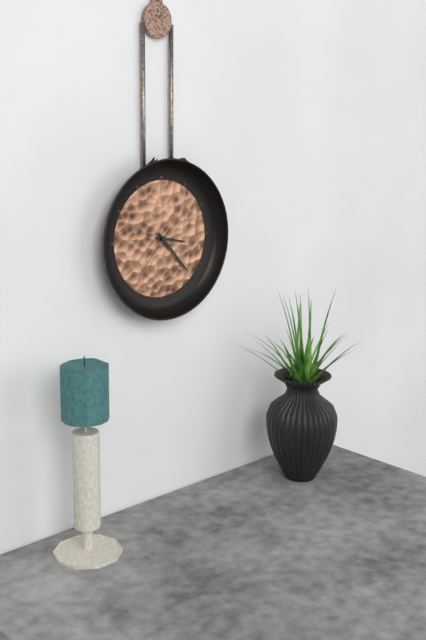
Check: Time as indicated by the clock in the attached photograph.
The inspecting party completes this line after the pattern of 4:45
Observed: 3:23
